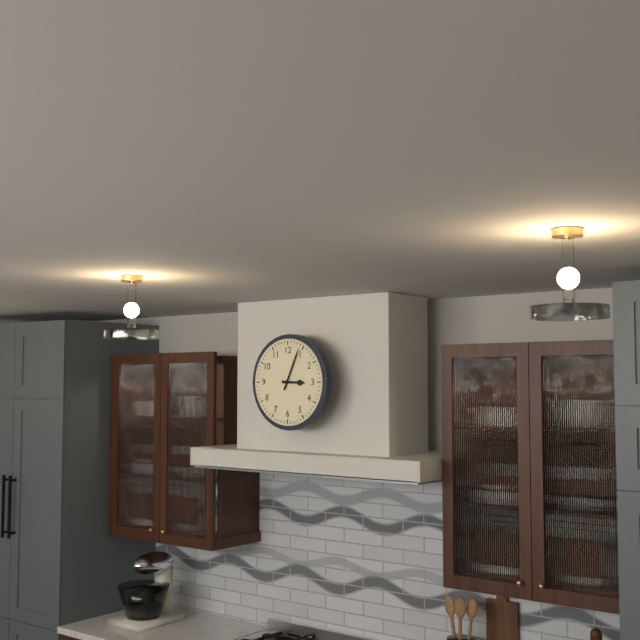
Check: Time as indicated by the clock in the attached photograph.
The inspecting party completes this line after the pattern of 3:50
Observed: 3:04
